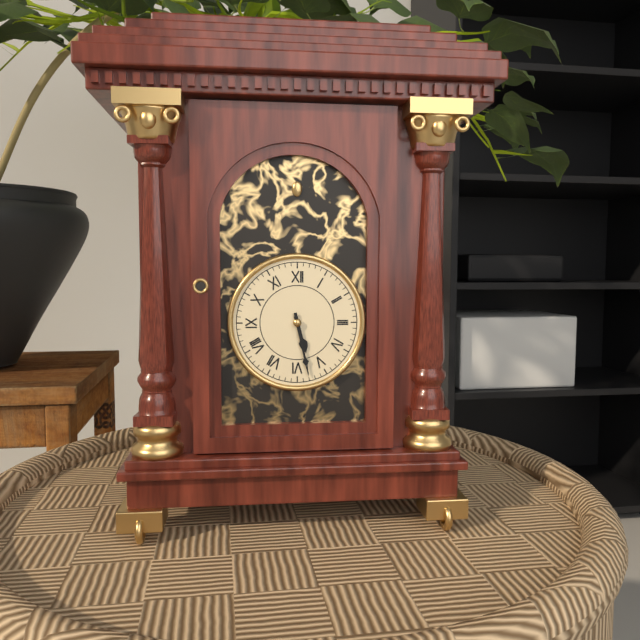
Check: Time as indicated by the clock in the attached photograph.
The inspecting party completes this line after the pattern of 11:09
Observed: 5:28
